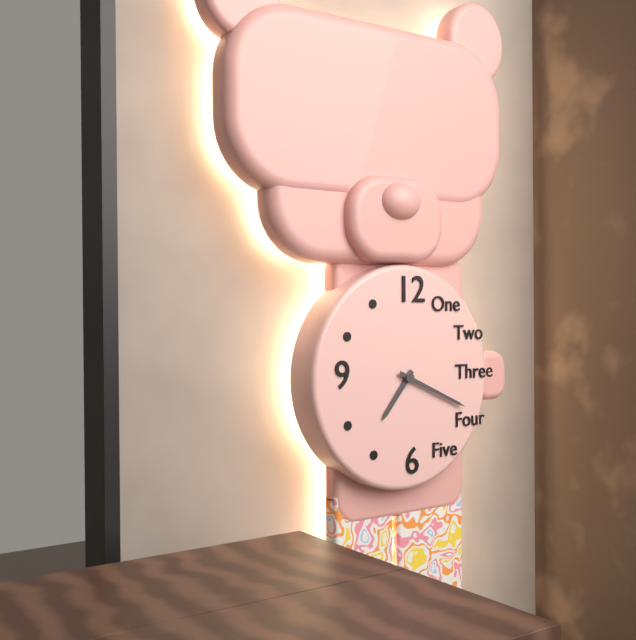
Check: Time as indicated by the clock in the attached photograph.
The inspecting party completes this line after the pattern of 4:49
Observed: 7:19
